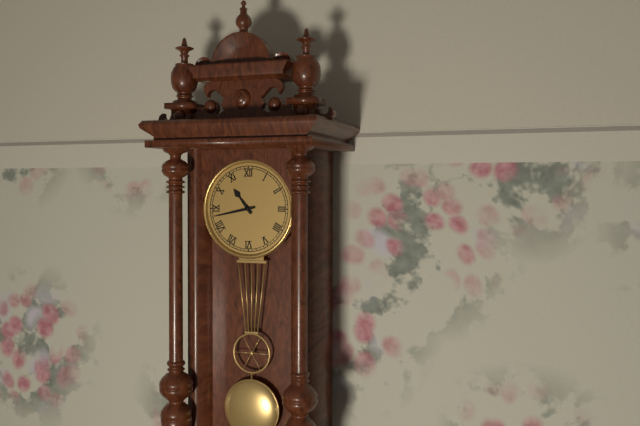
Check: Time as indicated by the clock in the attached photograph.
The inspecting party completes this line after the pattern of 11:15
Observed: 10:43
